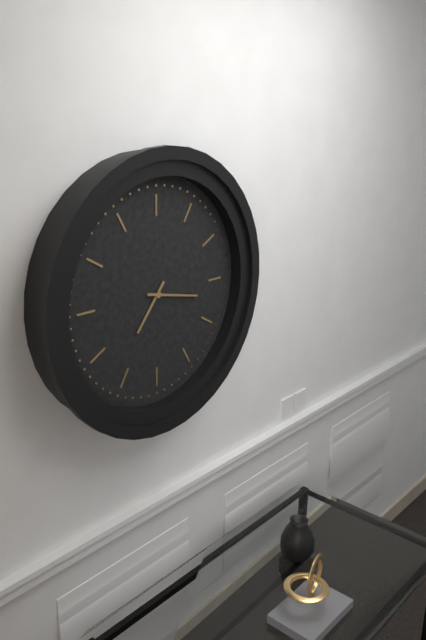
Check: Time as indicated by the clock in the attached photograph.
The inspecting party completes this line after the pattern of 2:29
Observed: 7:17
